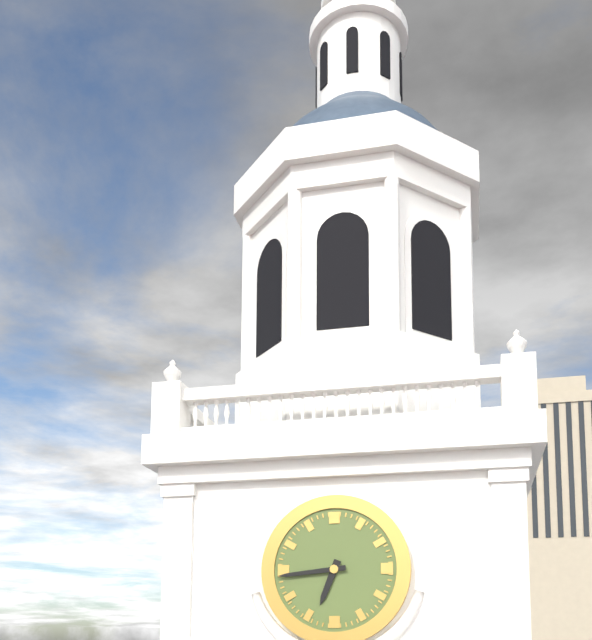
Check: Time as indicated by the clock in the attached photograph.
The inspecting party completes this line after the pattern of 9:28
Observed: 6:44
